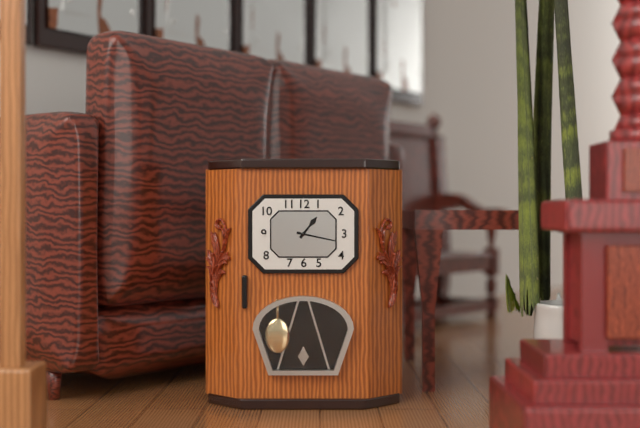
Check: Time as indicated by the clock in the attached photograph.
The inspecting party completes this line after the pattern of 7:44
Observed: 1:17
